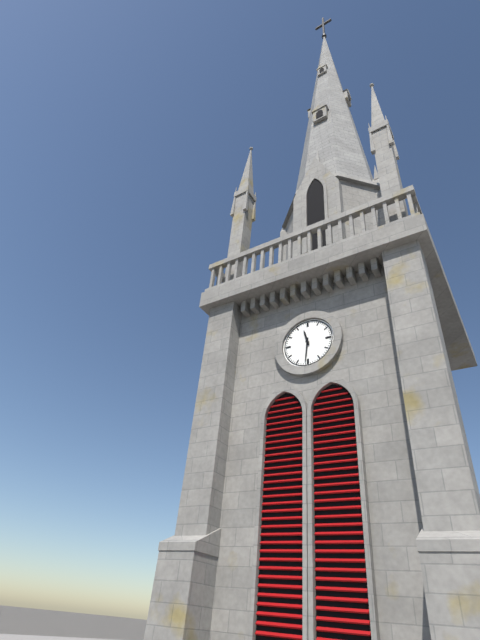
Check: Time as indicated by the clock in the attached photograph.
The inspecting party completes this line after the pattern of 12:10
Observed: 11:31
